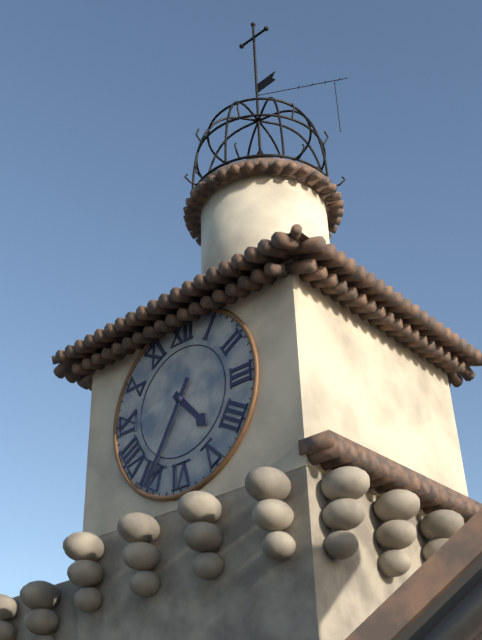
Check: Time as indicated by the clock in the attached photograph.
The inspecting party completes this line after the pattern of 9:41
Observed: 4:35
